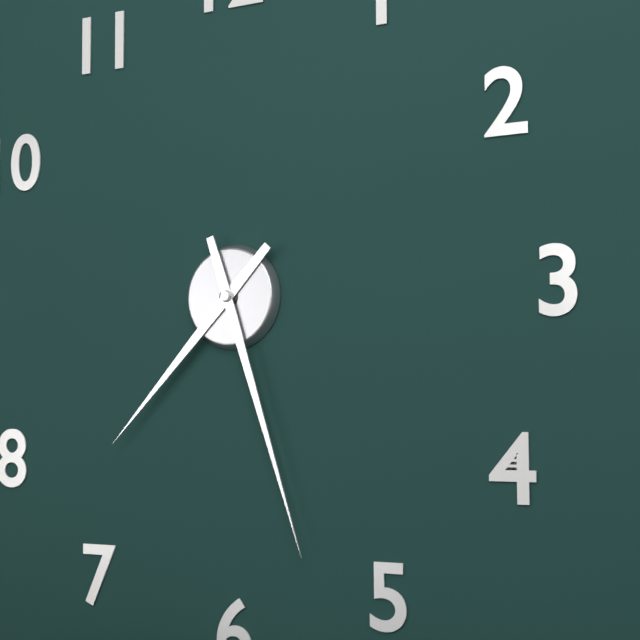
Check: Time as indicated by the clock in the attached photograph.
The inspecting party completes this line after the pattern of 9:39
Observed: 7:27
